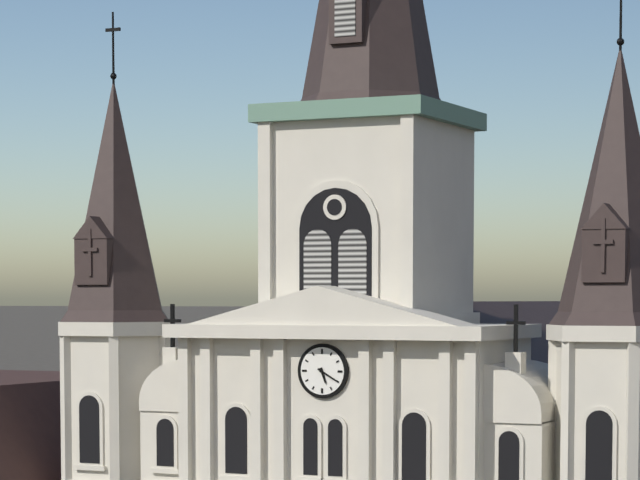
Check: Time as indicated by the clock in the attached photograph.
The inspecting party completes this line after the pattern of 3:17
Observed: 5:20
